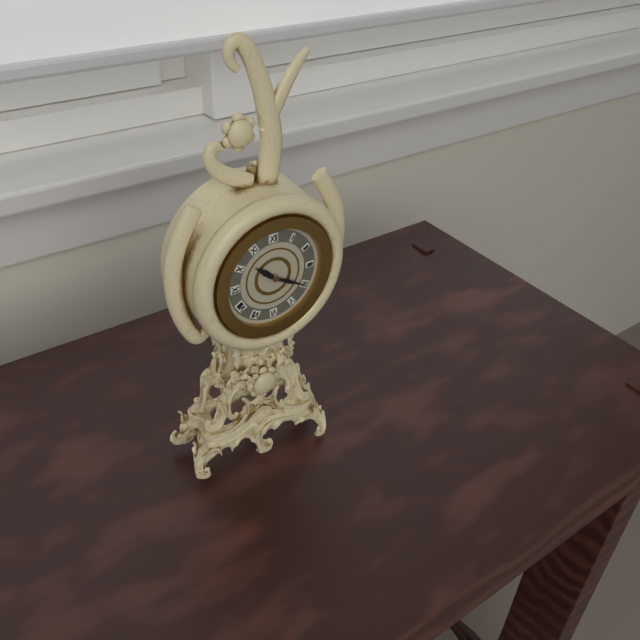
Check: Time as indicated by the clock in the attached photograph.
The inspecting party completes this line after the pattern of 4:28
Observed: 10:20
